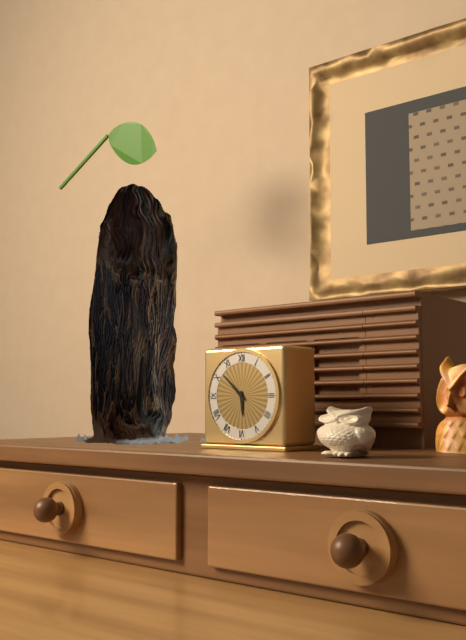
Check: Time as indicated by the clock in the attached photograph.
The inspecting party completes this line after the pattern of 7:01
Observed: 5:52
